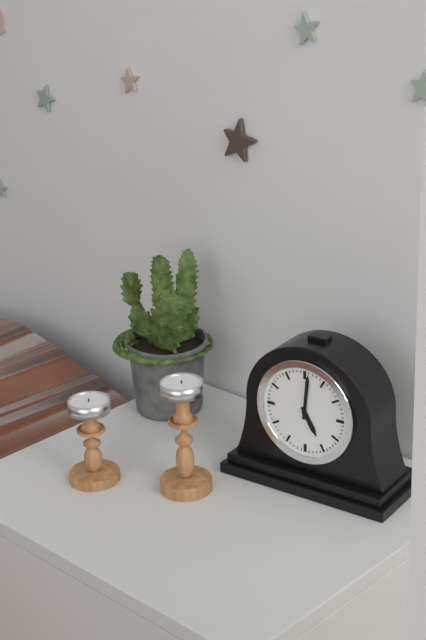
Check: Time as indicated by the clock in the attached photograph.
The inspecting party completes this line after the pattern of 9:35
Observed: 5:01
